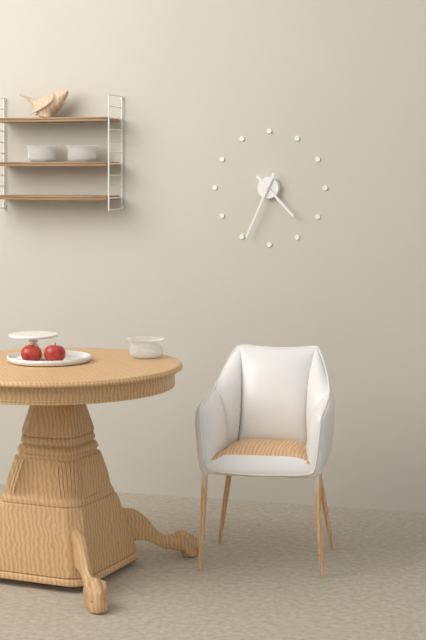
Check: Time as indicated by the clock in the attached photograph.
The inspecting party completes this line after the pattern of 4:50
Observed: 4:34
